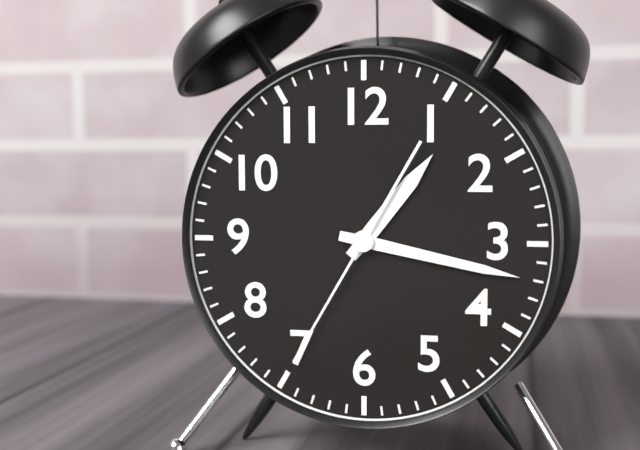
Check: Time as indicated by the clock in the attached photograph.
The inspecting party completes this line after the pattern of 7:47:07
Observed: 1:17:35
